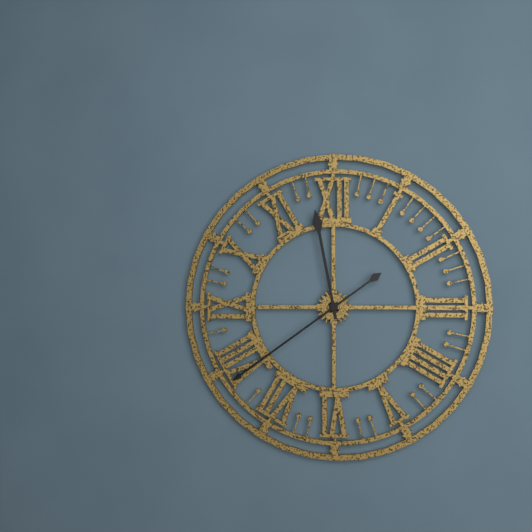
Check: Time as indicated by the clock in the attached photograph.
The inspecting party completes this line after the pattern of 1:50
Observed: 11:39
